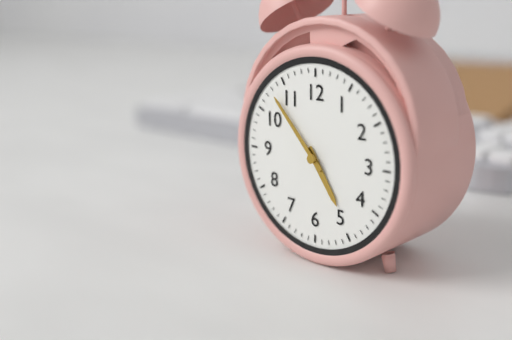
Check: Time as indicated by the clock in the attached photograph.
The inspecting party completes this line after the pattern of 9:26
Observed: 4:53
